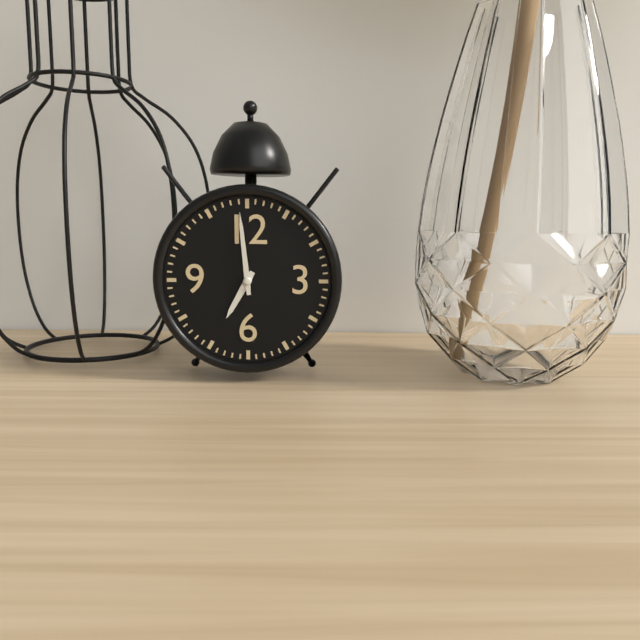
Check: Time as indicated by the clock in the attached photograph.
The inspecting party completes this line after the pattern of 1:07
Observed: 6:59
